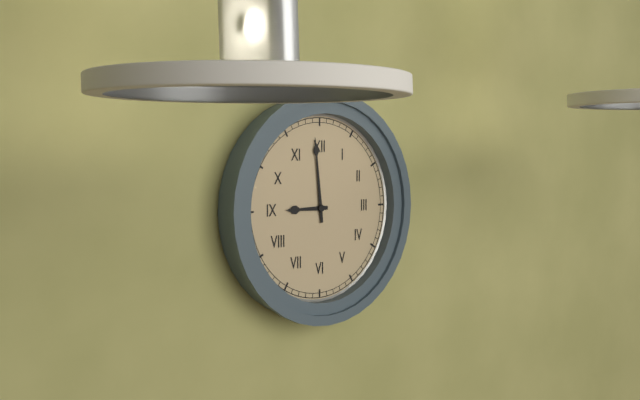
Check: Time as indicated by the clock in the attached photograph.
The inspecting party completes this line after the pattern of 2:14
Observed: 8:59
